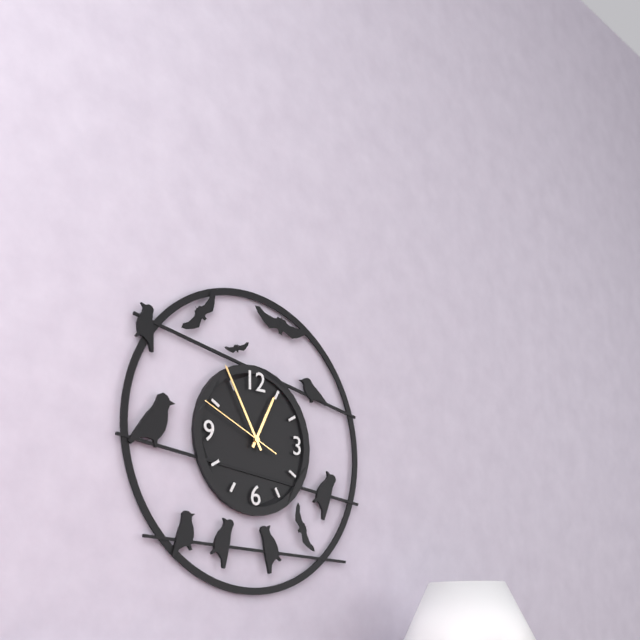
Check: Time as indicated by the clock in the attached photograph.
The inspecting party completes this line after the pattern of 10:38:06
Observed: 12:55:49
